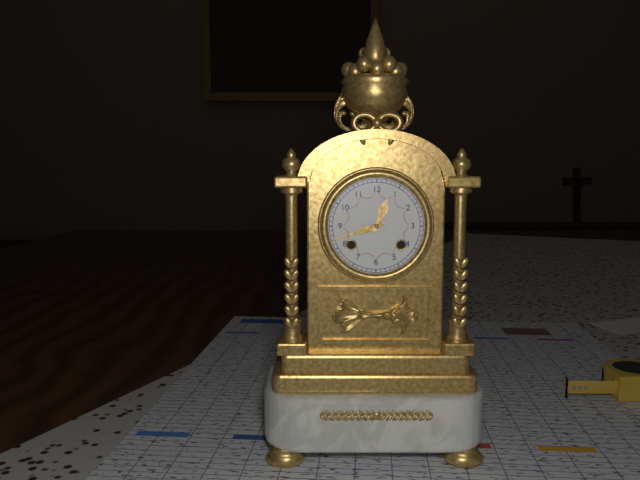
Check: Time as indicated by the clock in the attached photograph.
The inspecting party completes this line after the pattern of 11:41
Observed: 12:42
